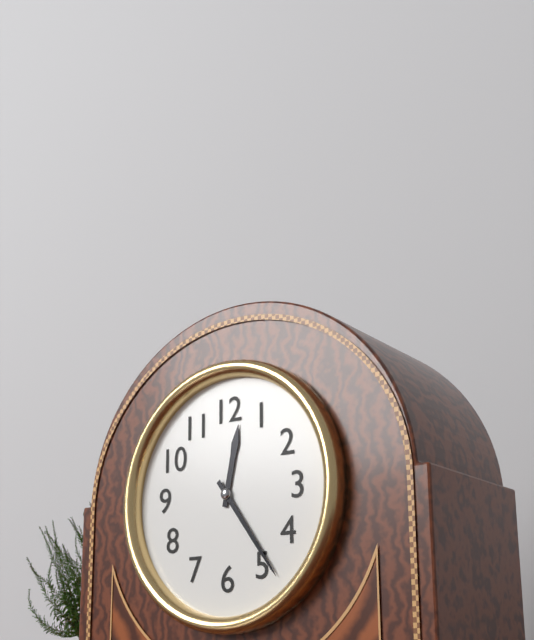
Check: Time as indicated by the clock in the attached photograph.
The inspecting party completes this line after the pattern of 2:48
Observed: 12:24
